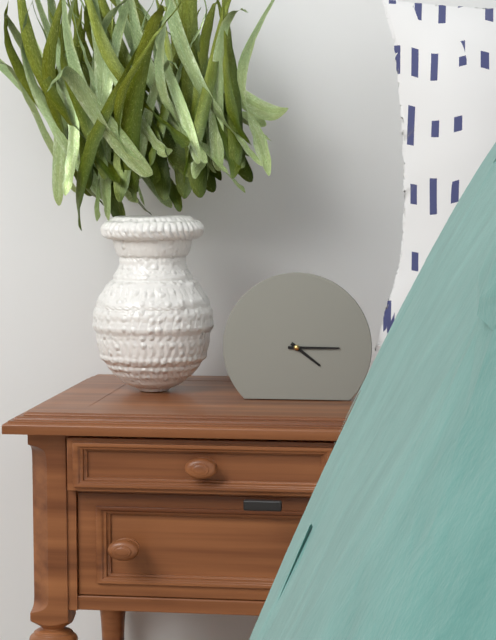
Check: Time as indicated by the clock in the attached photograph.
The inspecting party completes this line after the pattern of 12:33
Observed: 4:15
